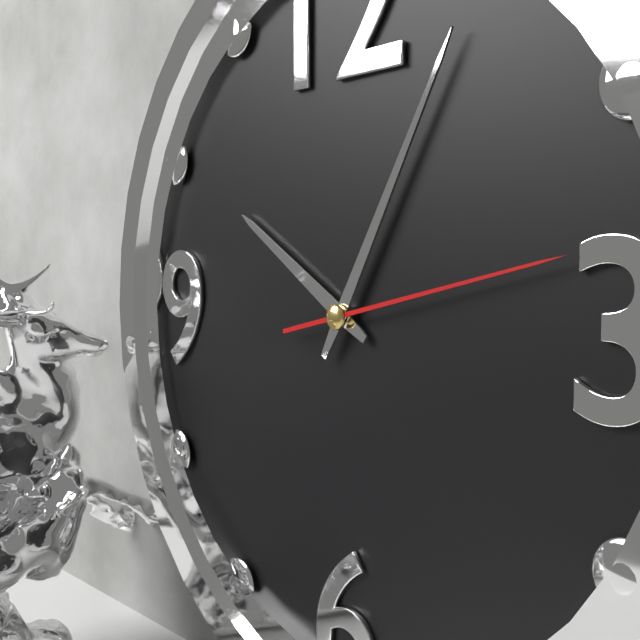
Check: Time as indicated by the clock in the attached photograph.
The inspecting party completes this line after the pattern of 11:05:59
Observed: 10:05:13
